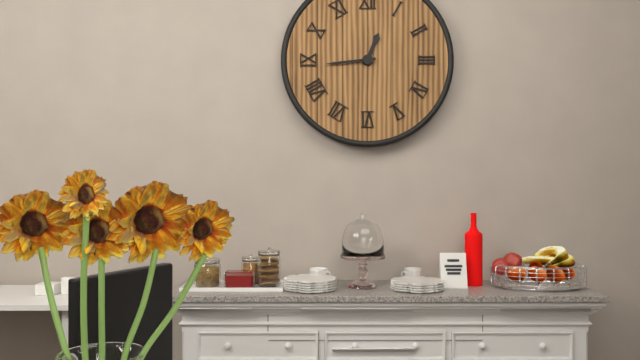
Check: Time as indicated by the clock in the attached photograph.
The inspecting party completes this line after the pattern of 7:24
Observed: 12:44
